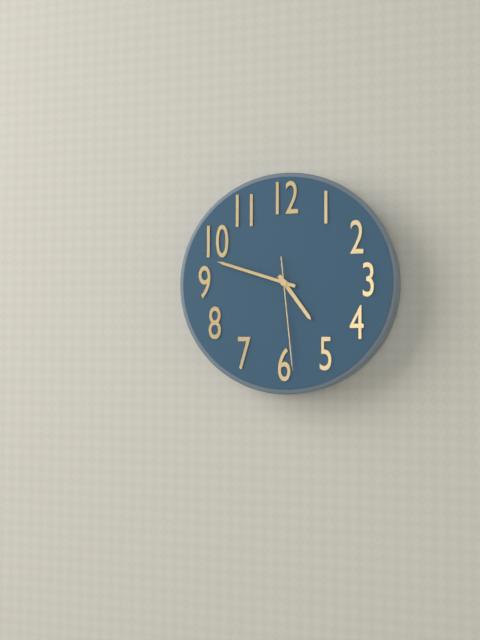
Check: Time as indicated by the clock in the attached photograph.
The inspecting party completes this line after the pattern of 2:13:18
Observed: 4:48:29
